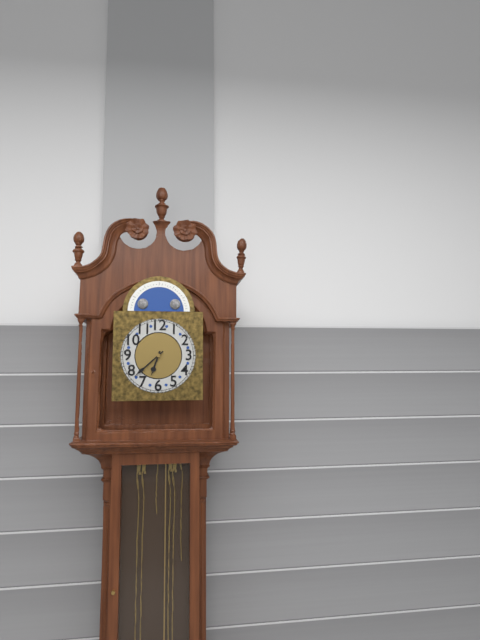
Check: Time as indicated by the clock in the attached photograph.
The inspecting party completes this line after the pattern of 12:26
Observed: 6:38
